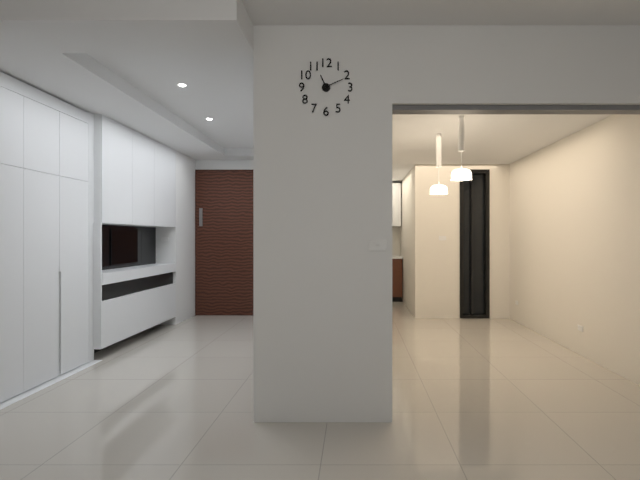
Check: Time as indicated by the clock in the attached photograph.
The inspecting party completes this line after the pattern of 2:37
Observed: 11:11
